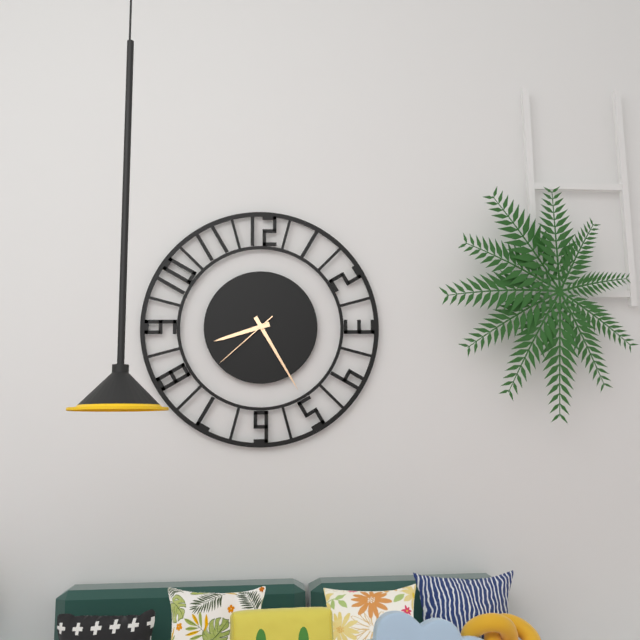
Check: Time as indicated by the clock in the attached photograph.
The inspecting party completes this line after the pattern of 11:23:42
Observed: 8:25:38
